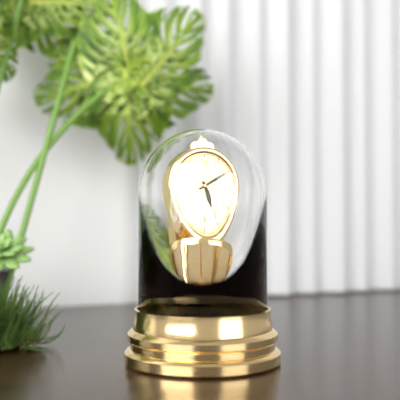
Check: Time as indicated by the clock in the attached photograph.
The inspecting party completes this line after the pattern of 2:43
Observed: 5:10
